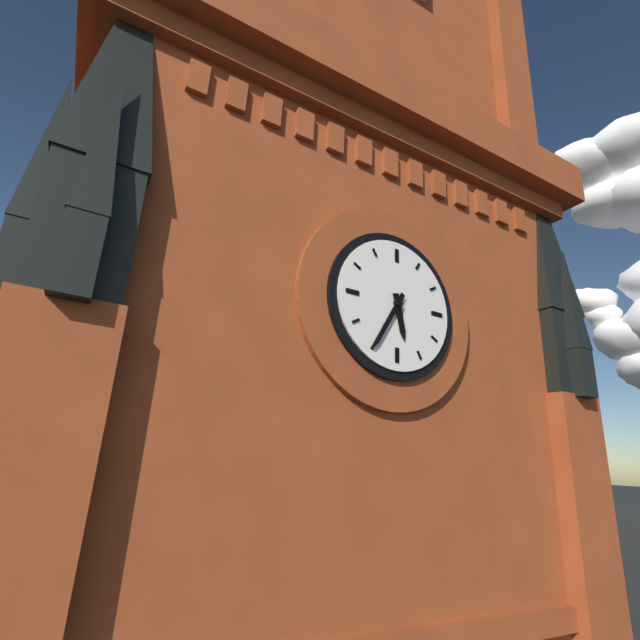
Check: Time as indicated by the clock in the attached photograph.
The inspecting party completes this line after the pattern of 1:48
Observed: 5:35
